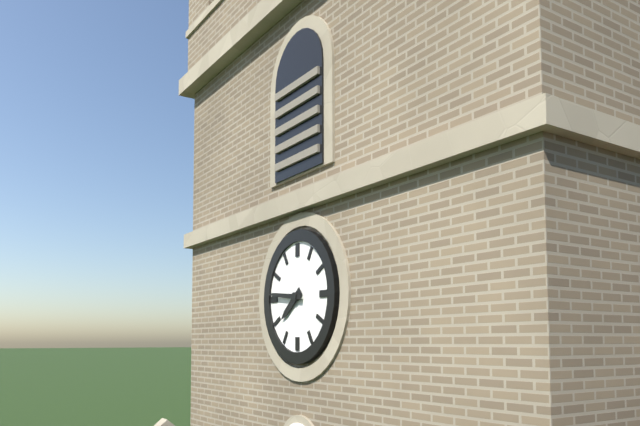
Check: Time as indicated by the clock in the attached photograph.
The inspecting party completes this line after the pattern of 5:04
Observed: 7:46
